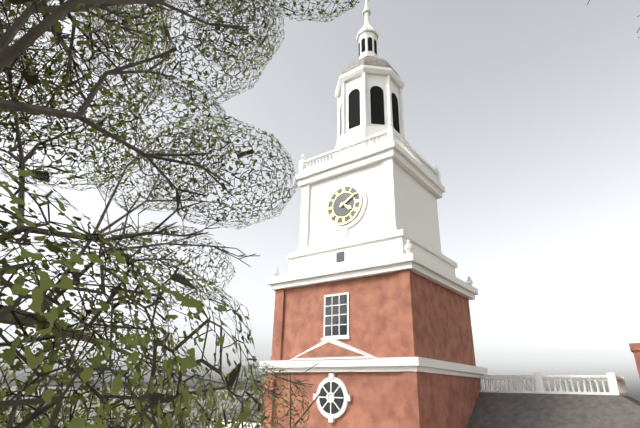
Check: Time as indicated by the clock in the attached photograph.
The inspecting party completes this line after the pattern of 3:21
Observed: 4:10
